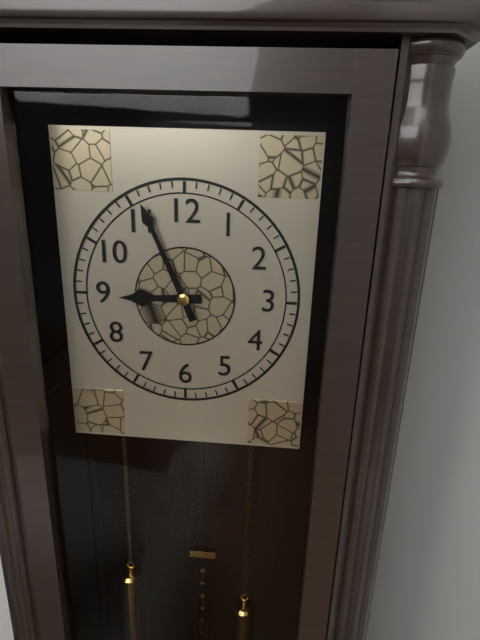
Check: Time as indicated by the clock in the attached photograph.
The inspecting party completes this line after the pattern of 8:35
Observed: 8:56
